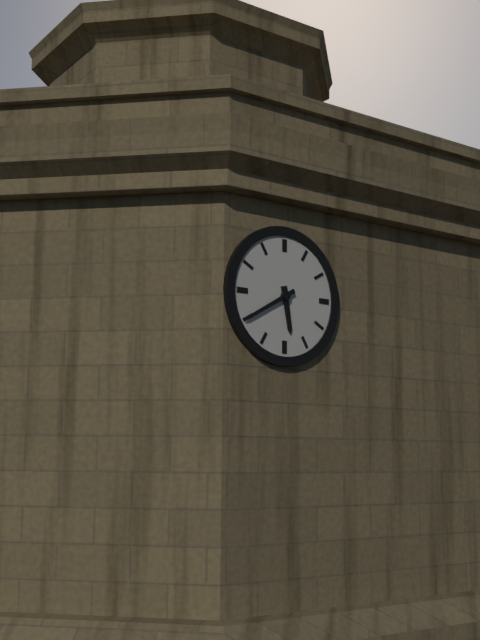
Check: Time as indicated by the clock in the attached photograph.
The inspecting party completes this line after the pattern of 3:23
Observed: 5:40
